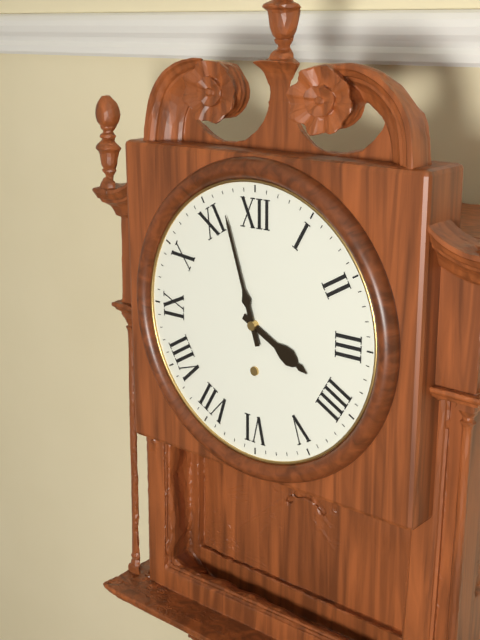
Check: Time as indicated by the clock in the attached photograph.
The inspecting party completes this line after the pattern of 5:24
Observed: 3:57
